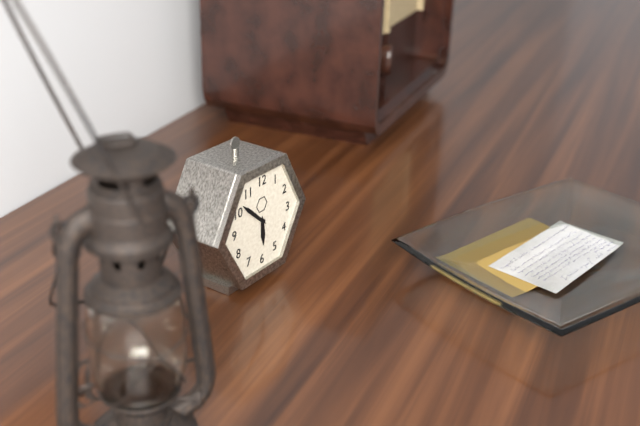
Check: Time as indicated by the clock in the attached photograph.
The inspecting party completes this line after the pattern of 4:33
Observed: 5:52
